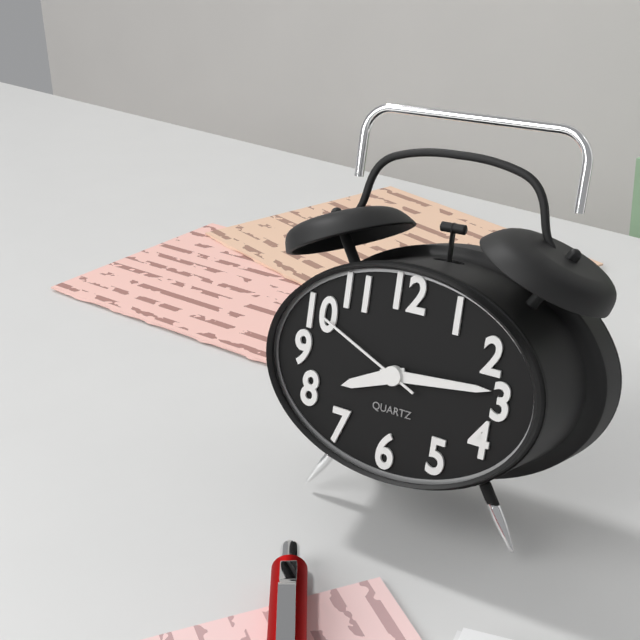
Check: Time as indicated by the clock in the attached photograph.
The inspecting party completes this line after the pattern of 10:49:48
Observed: 8:14:49
